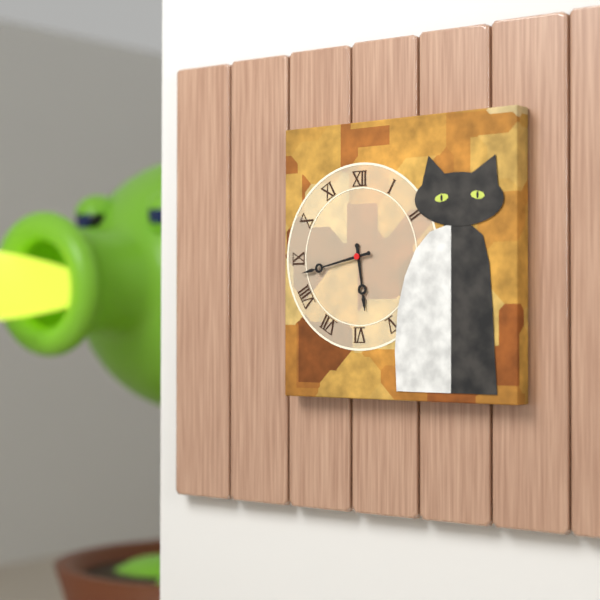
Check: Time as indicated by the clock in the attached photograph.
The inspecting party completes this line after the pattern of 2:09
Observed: 5:43
